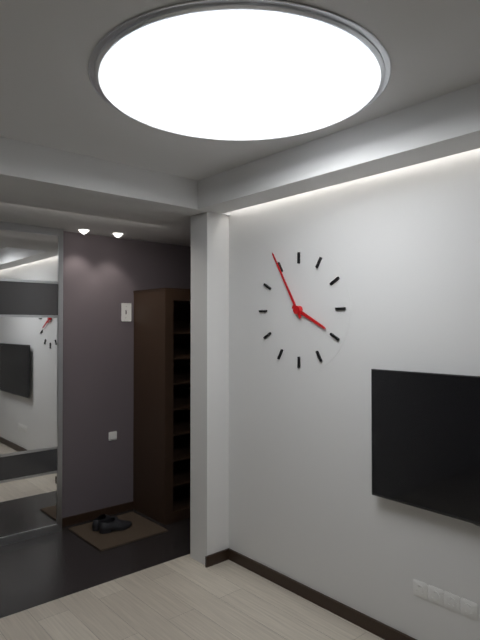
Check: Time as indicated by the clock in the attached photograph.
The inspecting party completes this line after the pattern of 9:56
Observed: 3:55
